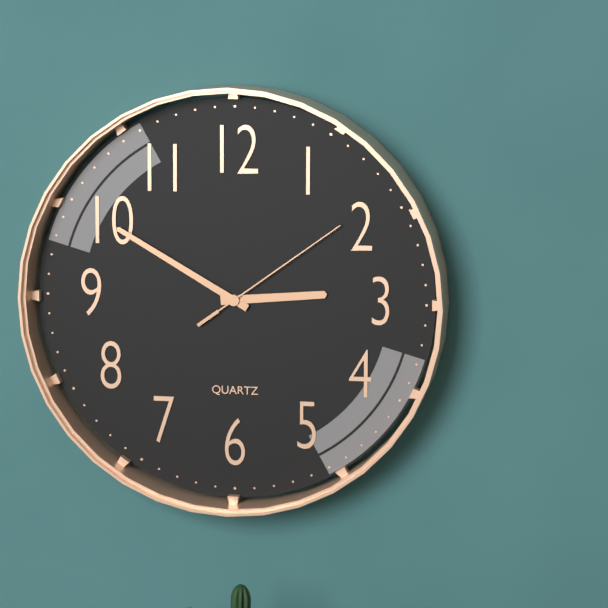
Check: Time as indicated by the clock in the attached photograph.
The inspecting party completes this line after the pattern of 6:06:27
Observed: 2:50:09
